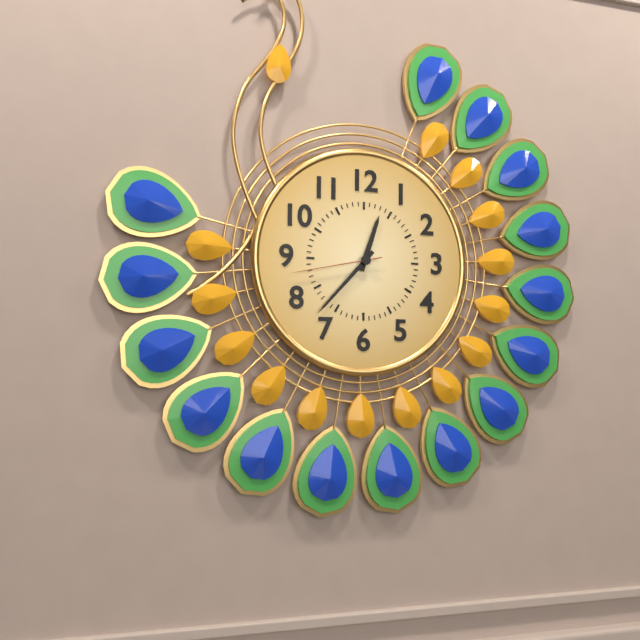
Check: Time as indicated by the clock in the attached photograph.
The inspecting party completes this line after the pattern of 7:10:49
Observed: 12:37:43
